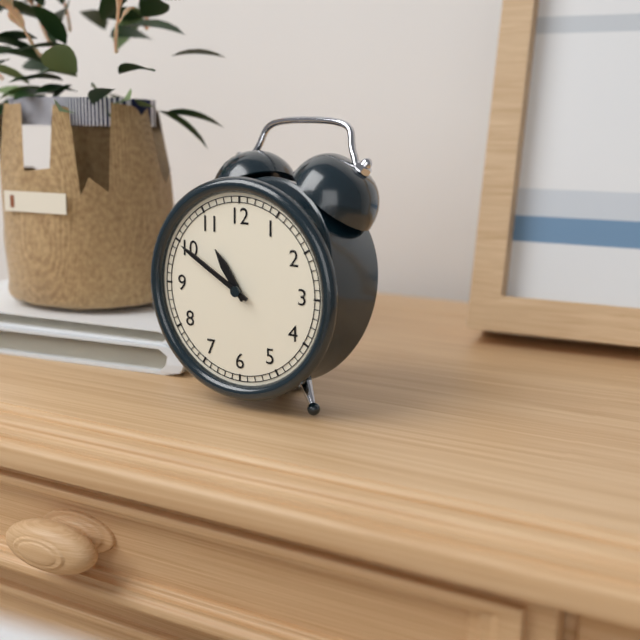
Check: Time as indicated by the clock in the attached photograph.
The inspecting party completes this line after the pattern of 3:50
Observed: 10:50
